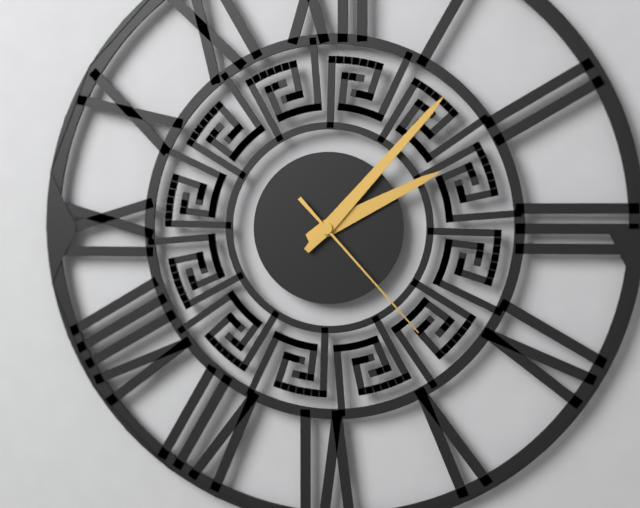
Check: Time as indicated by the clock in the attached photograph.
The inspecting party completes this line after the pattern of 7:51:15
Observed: 2:07:23
